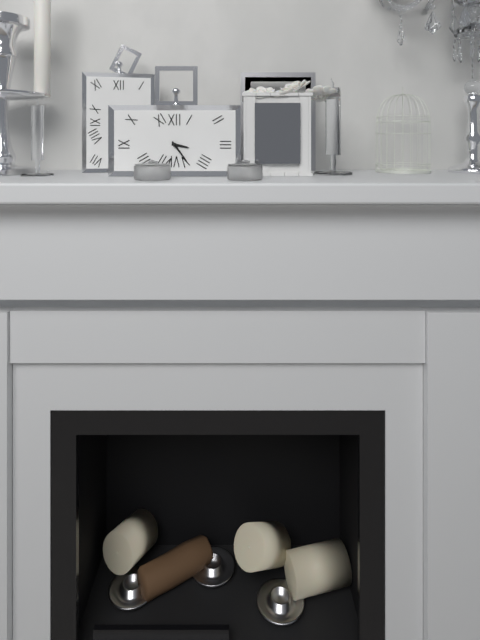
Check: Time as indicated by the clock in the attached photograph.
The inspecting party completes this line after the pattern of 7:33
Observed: 3:24
